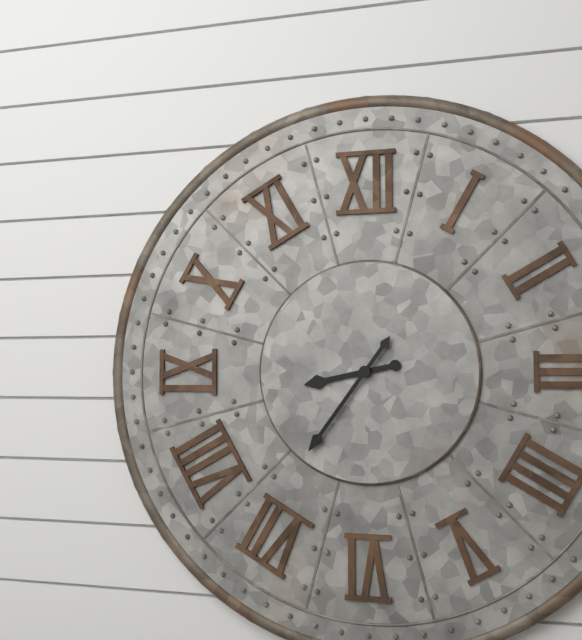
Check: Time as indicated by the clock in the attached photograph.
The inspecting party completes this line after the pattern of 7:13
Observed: 8:36
